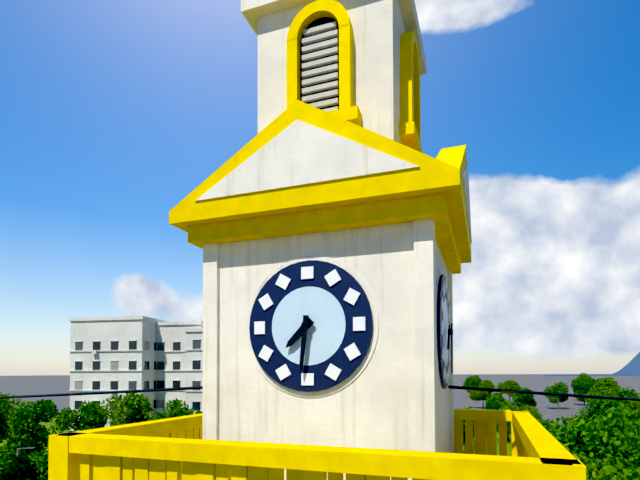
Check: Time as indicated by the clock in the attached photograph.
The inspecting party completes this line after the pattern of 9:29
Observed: 7:31
